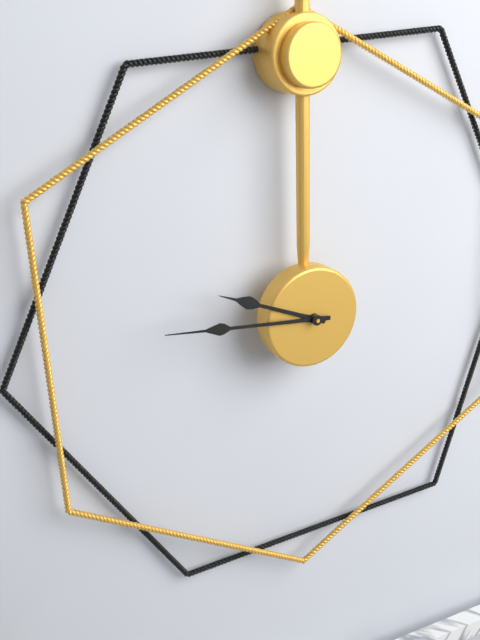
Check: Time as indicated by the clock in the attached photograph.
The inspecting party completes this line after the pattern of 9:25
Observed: 9:46
